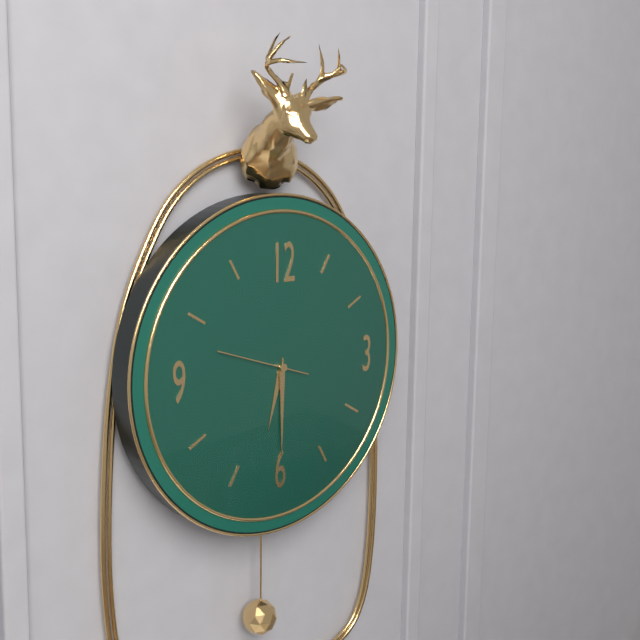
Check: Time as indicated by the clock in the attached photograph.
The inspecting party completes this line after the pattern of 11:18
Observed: 6:30
